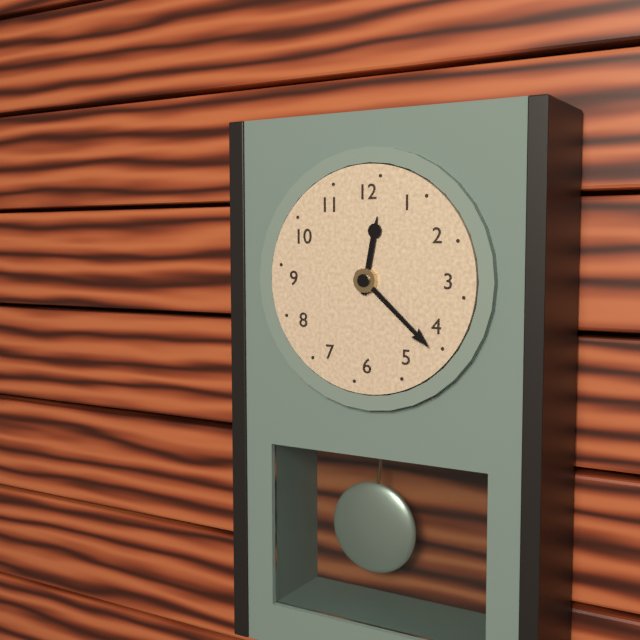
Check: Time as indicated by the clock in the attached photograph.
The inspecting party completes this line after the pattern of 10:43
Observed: 12:22
